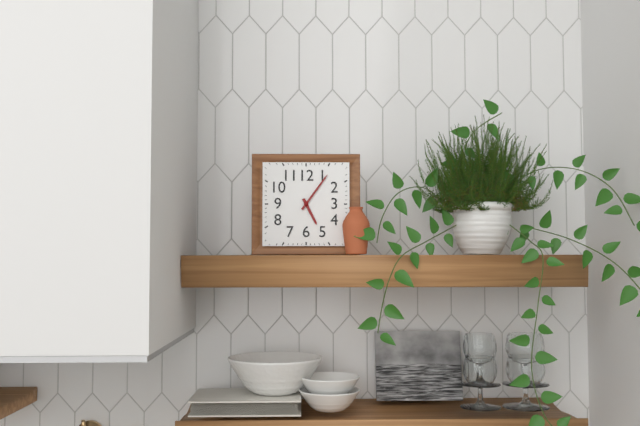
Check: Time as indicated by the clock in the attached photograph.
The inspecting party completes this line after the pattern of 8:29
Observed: 5:06
